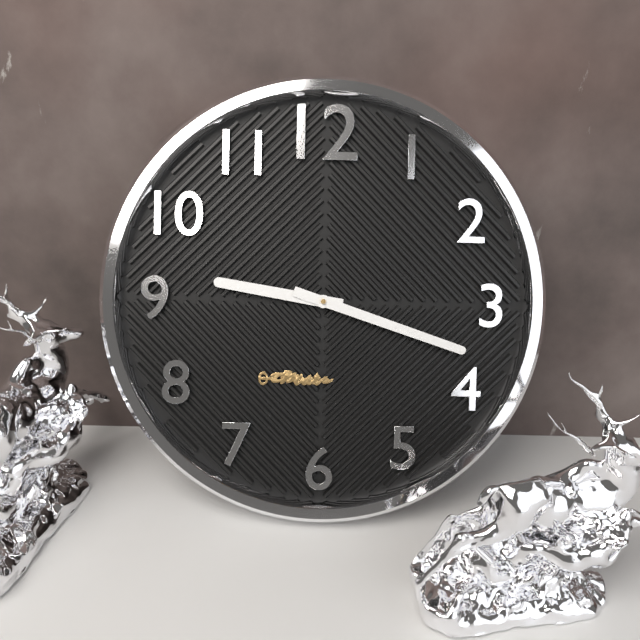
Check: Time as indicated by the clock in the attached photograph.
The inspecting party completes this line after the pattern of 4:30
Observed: 9:18
